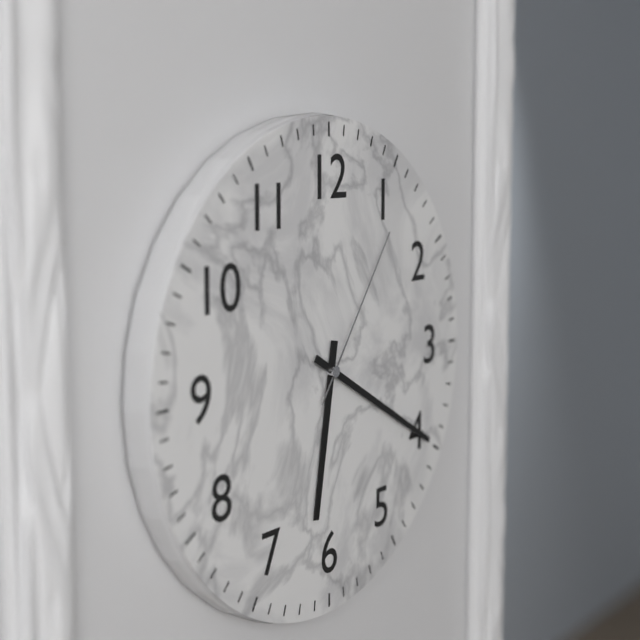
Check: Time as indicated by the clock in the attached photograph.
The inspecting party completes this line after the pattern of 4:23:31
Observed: 6:20:06
